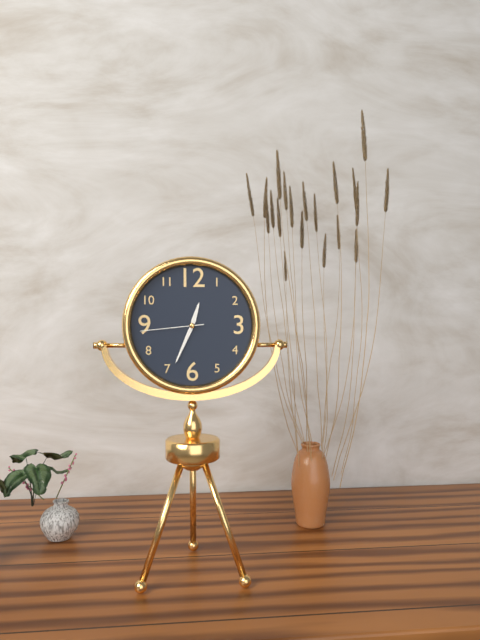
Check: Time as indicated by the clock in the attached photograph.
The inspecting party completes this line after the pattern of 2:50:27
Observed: 12:34:44
